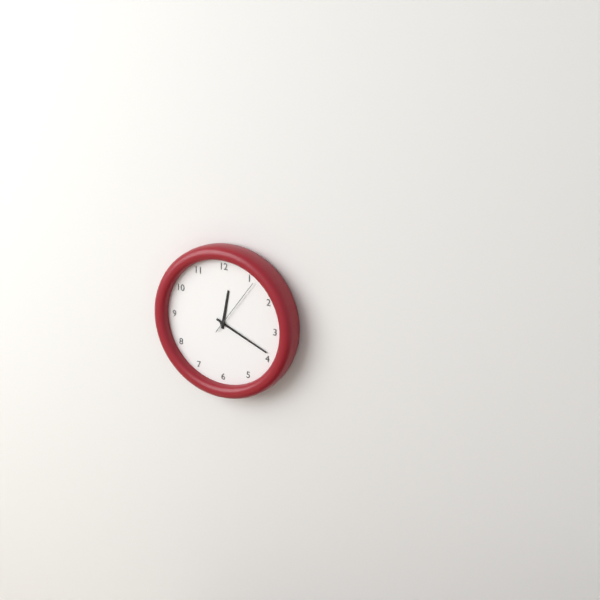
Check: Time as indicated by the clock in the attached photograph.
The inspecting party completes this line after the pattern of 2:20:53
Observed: 12:19:06
